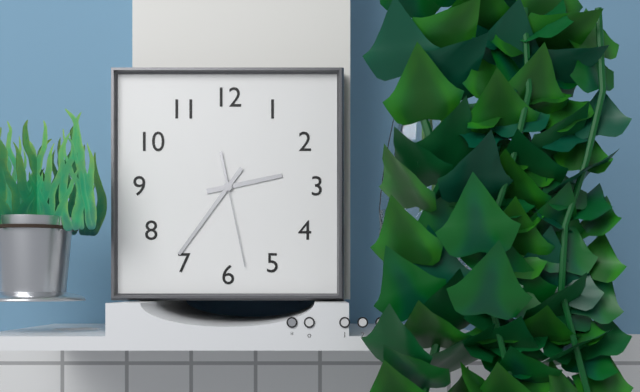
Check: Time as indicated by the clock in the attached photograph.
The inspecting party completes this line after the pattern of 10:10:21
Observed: 2:36:28
